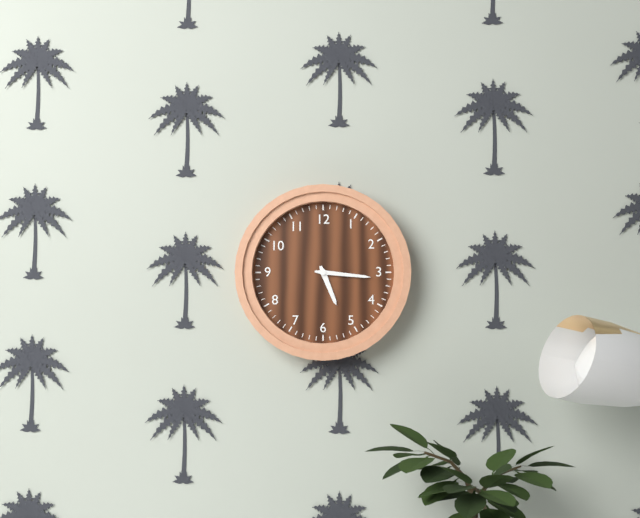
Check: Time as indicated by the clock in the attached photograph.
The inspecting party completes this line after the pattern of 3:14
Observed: 5:16
